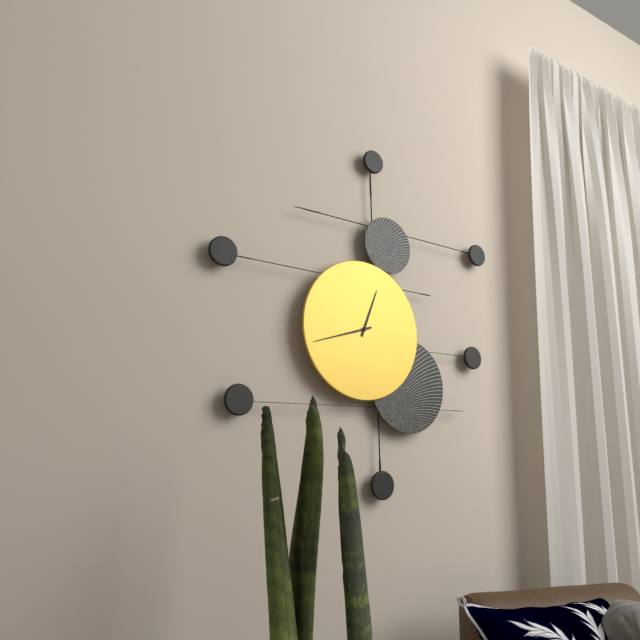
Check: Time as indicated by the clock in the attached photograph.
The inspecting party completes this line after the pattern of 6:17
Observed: 12:42
